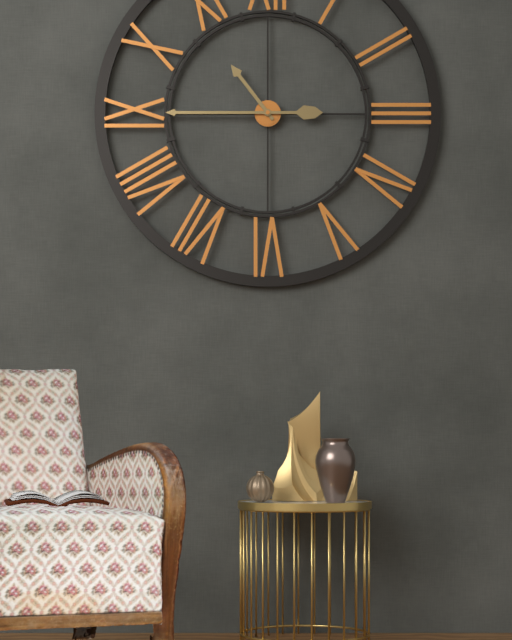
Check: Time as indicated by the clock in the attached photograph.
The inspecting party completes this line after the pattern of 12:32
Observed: 10:45
